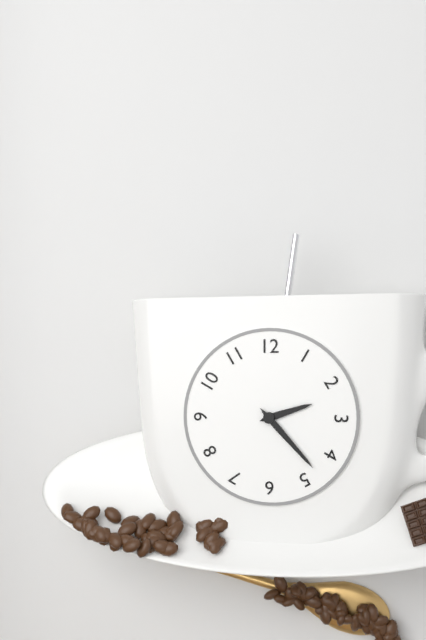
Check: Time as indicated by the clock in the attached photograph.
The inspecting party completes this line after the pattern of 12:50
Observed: 2:23
